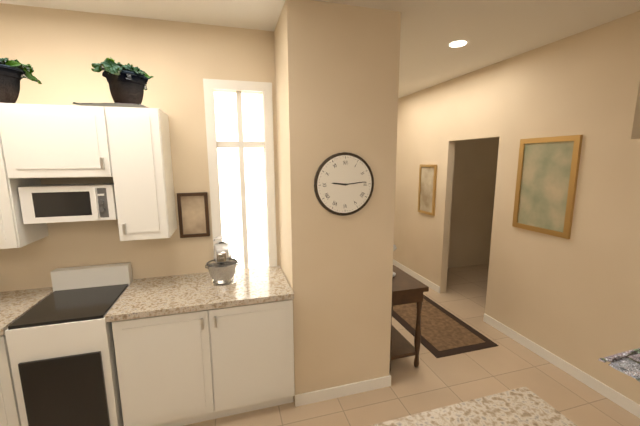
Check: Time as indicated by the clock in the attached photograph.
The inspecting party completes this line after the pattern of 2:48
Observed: 9:14
